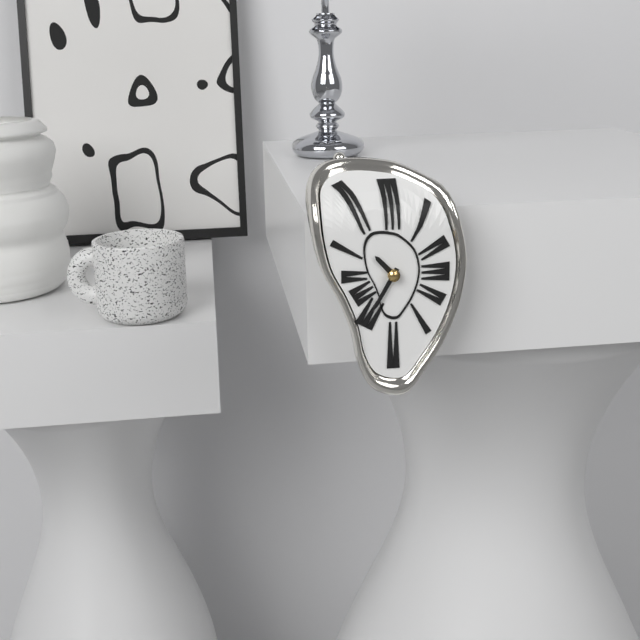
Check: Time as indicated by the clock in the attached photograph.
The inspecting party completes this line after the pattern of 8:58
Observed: 10:35
